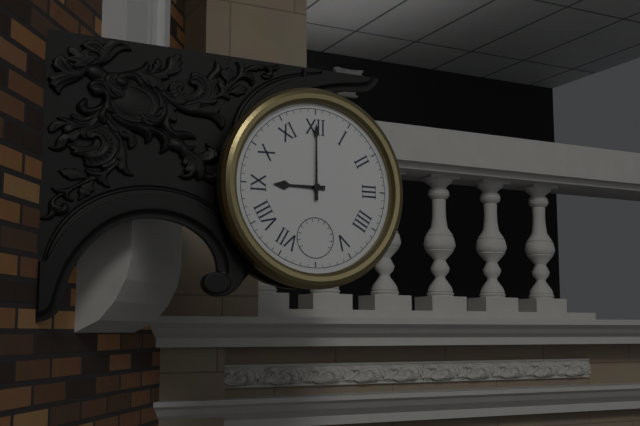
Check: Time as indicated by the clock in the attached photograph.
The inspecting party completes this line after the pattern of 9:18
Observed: 9:00
